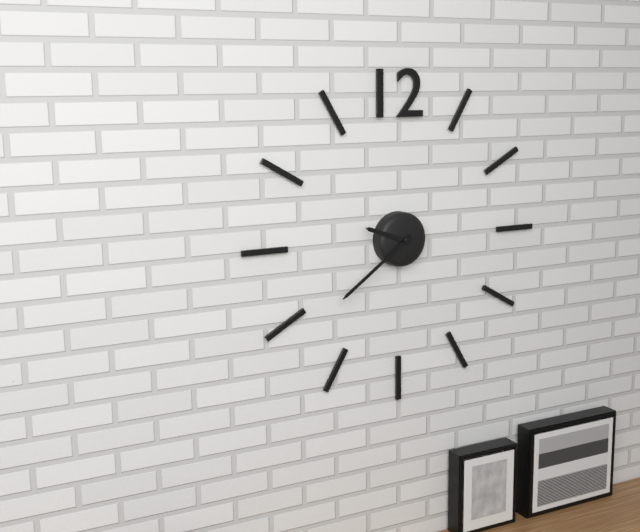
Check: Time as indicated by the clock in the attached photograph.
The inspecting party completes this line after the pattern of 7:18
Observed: 9:39
